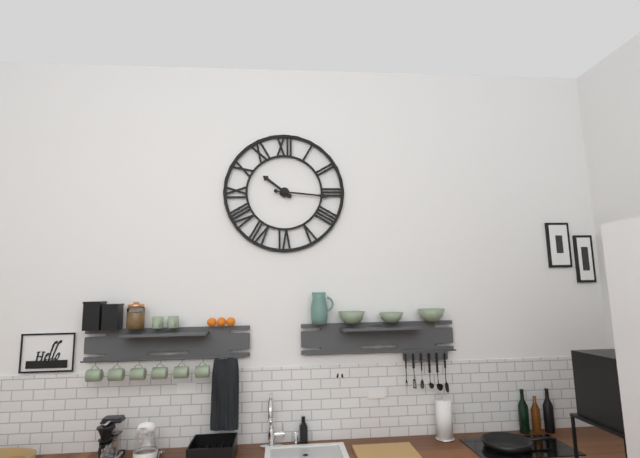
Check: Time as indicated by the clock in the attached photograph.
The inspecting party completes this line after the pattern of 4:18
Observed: 10:16
